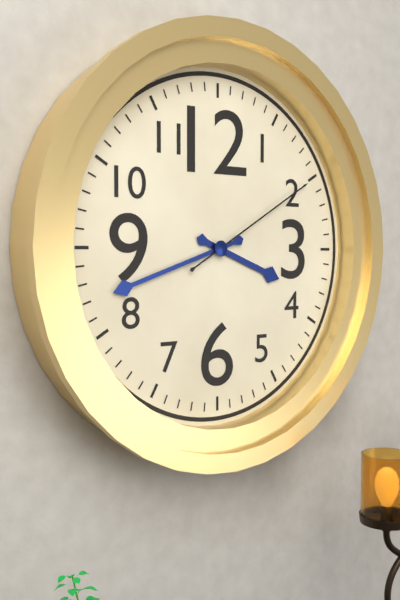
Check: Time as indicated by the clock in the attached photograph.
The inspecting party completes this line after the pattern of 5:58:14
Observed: 3:42:10
